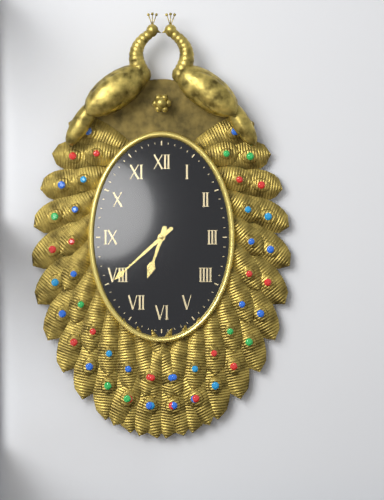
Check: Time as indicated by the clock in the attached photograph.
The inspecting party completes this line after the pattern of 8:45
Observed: 6:38
